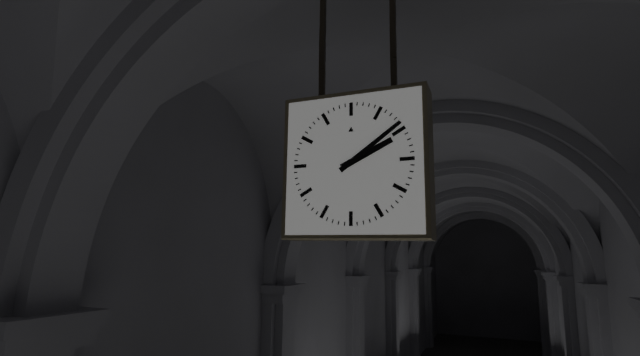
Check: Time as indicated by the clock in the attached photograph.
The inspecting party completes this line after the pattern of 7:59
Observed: 2:09
